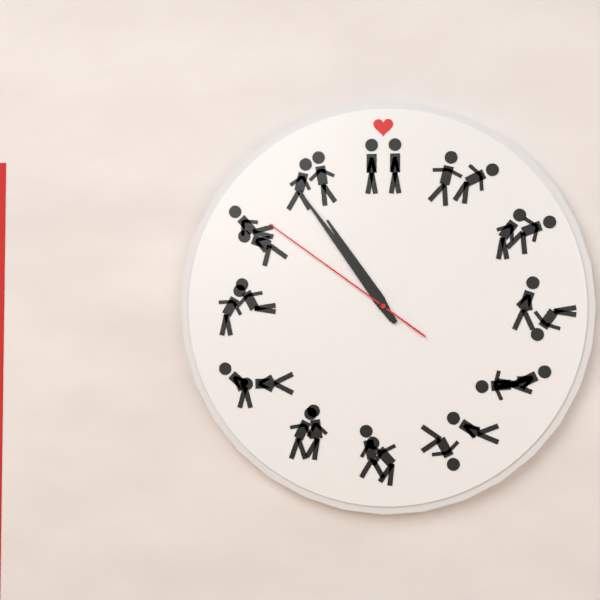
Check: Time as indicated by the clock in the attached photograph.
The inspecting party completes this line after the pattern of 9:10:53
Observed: 10:54:51
